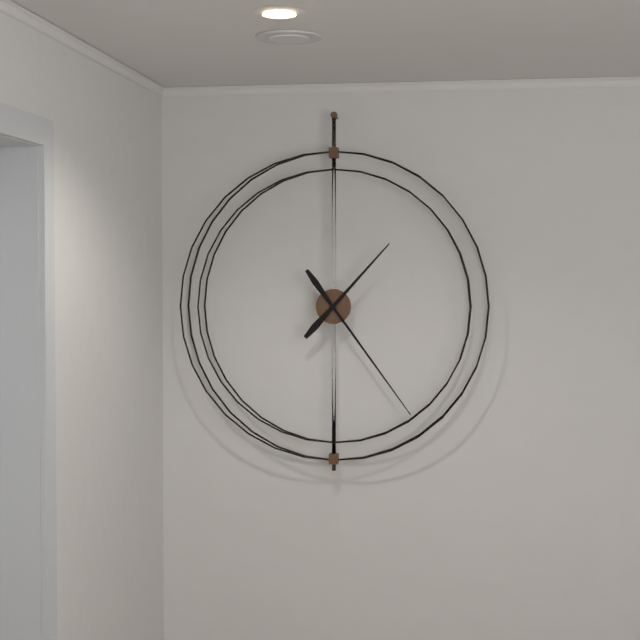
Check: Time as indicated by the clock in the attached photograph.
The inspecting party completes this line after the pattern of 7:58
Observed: 1:24
